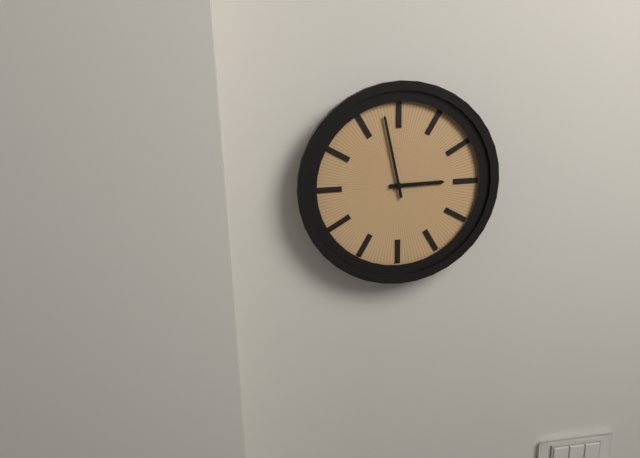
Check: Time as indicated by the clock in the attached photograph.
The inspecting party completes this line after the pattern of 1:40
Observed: 2:58
